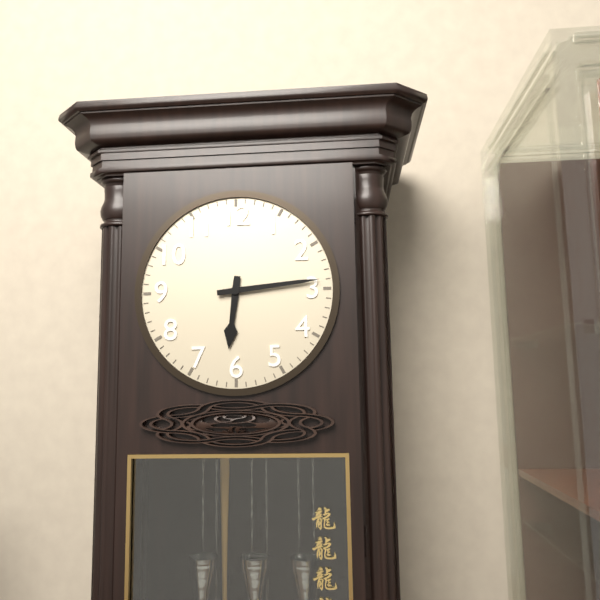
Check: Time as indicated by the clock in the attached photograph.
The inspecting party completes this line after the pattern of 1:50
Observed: 6:14
